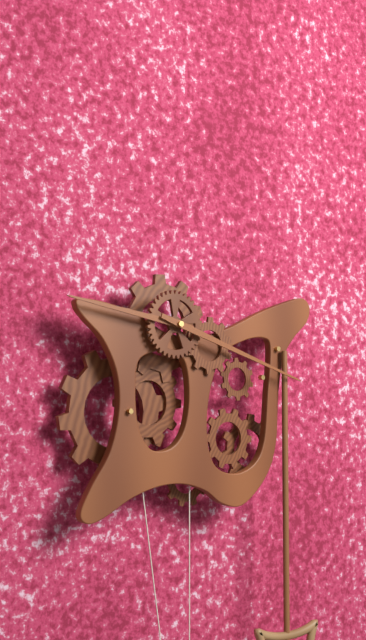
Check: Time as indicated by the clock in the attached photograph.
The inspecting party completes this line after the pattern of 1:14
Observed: 9:18
